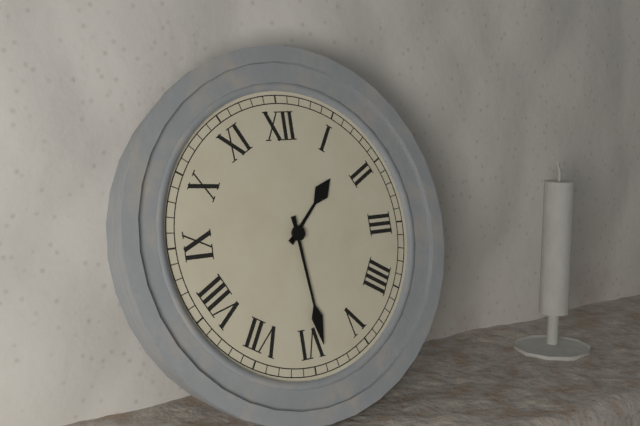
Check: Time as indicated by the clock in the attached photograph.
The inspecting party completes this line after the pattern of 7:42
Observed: 1:29
